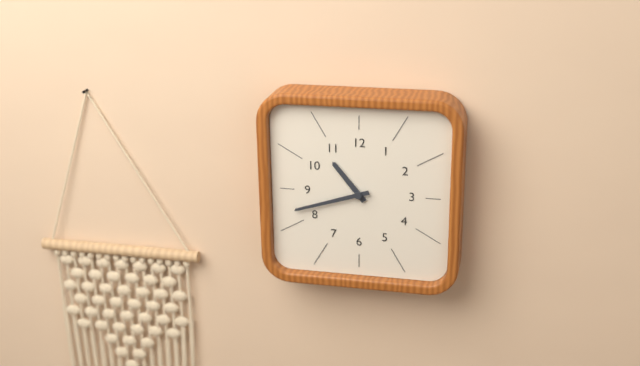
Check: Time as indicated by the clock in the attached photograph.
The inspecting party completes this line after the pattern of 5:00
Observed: 10:42
